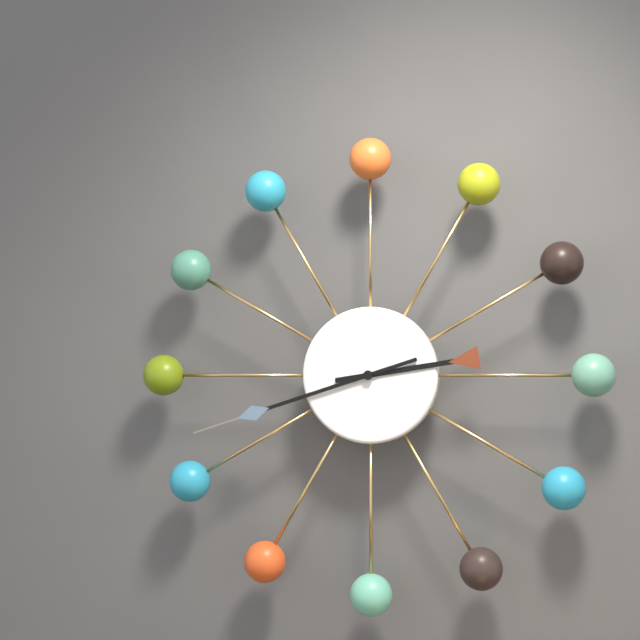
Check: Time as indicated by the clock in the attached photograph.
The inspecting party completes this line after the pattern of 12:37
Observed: 2:42
